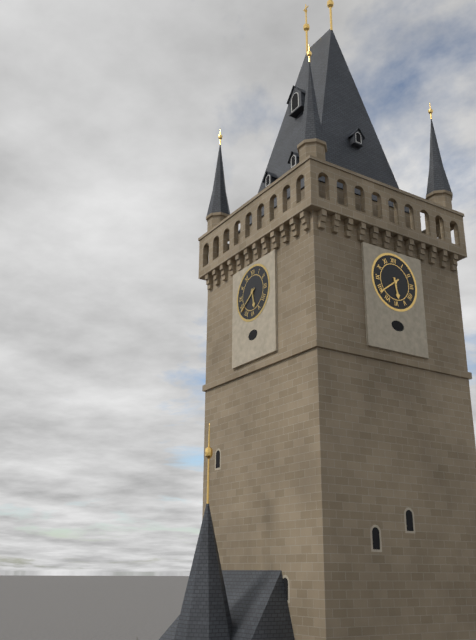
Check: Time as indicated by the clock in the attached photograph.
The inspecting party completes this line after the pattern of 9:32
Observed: 5:39
